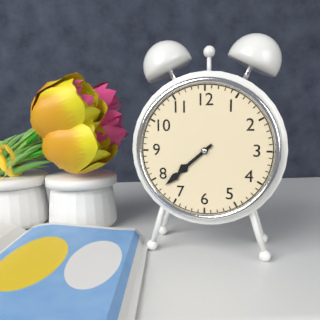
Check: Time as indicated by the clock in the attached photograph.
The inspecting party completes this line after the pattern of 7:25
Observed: 7:38
